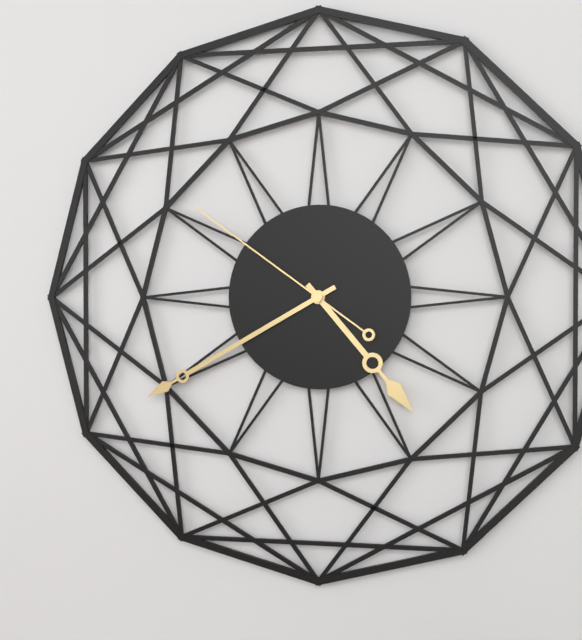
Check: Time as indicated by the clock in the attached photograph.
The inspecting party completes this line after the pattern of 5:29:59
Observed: 4:40:51
